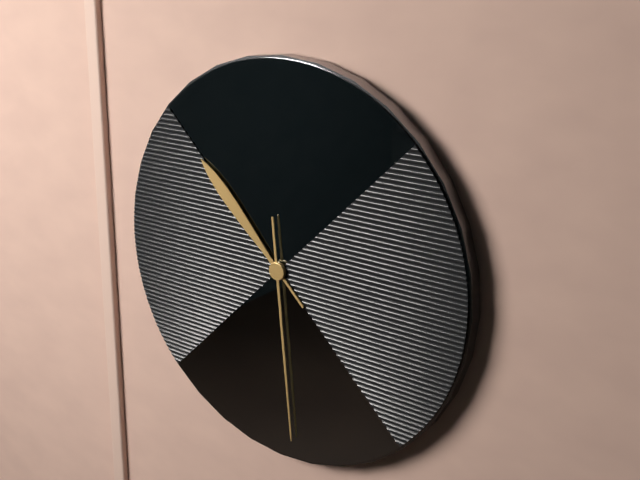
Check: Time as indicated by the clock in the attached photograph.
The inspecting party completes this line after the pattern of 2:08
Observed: 10:29
